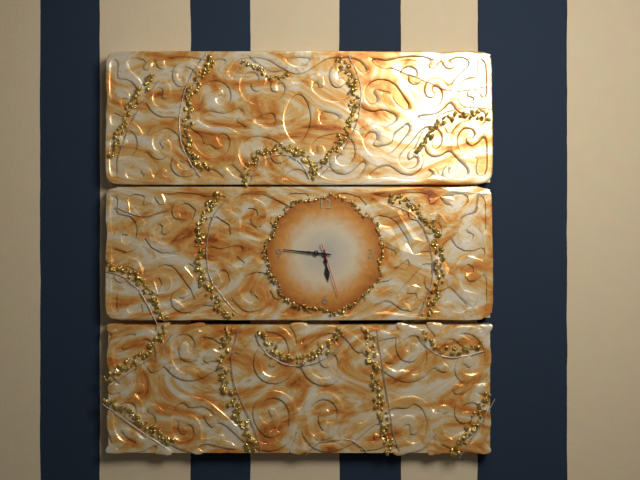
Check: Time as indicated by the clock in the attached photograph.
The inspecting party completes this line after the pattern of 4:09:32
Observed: 5:46:27
